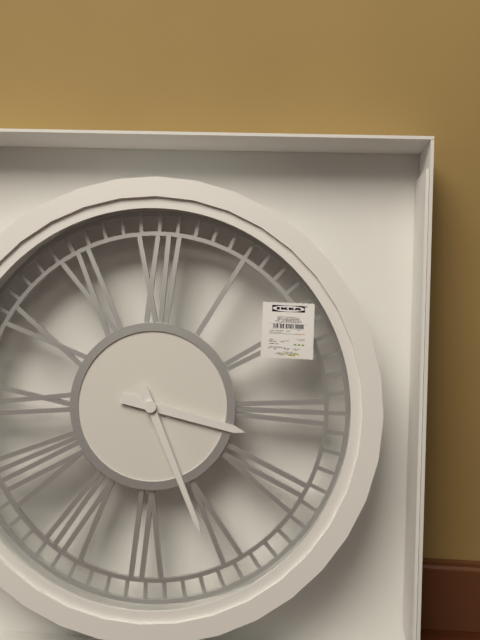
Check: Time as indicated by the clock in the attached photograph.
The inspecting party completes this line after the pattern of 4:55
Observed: 3:26
